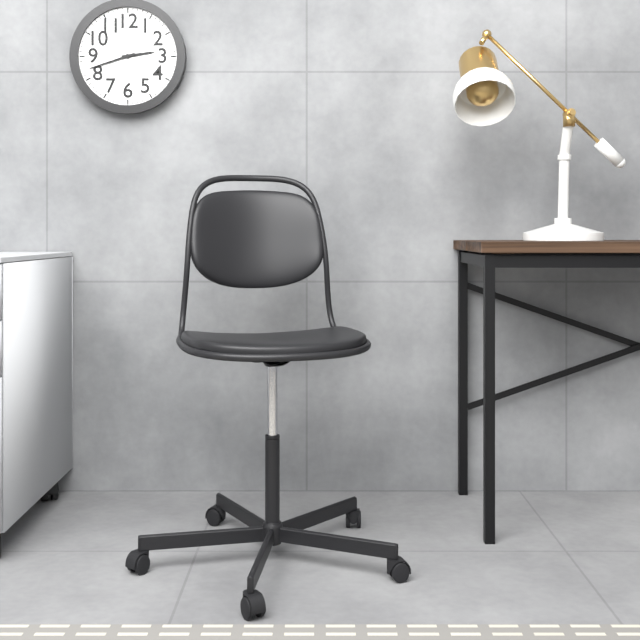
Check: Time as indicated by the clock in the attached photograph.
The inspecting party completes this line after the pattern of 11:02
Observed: 2:42
